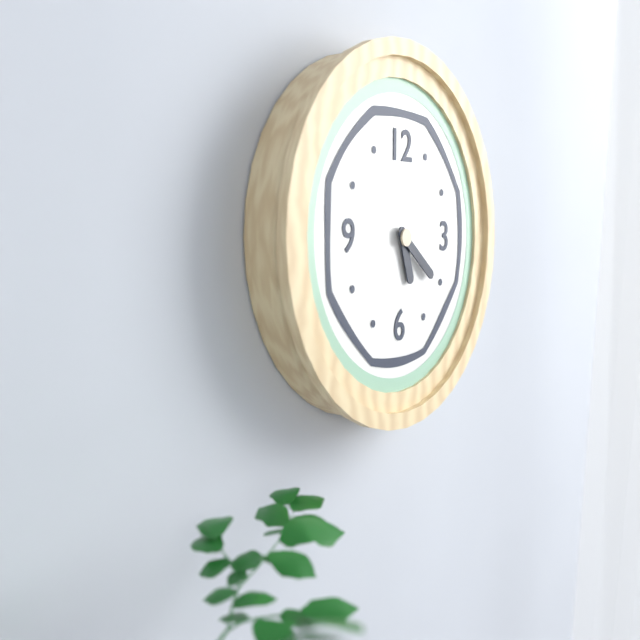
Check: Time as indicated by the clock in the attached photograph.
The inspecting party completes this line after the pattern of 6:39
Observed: 5:21
